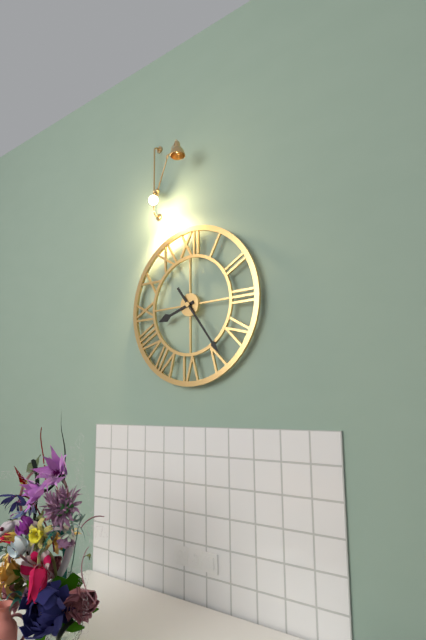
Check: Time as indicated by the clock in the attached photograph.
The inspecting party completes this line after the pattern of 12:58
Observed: 8:24
